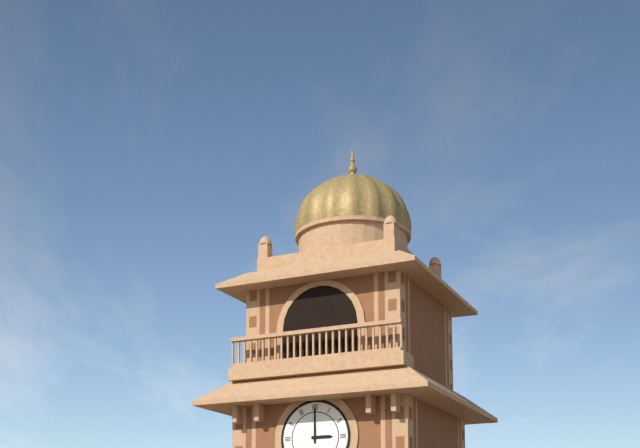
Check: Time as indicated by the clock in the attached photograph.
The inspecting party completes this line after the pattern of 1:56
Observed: 3:00
